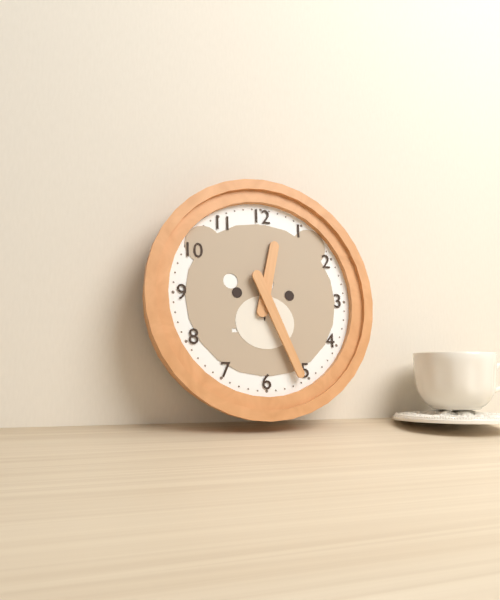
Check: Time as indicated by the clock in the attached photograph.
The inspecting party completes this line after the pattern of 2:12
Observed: 12:26
